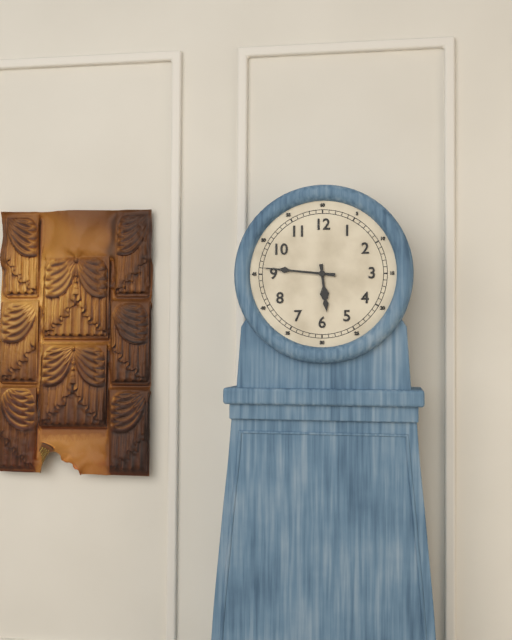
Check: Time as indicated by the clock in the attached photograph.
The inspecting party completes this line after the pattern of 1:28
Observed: 5:46
